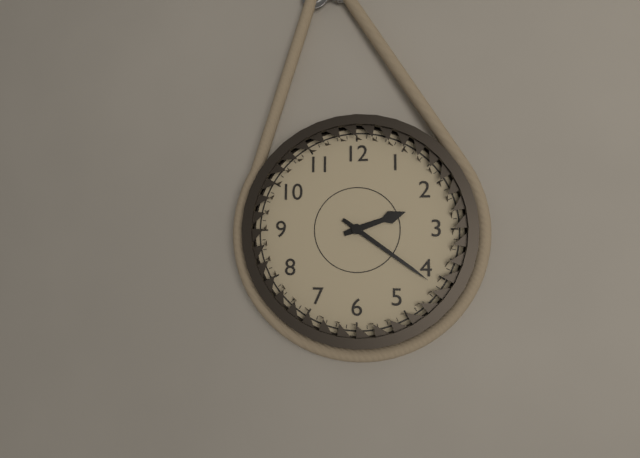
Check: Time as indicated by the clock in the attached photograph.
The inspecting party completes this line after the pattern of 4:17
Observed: 2:21
